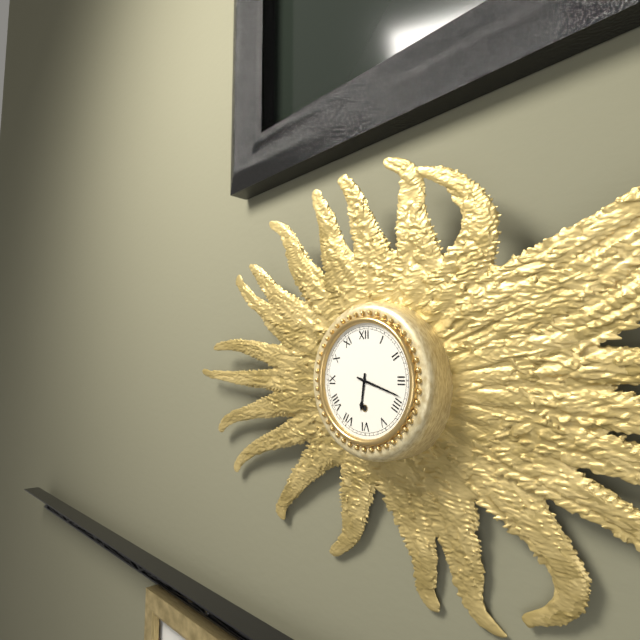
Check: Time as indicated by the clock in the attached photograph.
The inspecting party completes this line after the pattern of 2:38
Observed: 6:18
